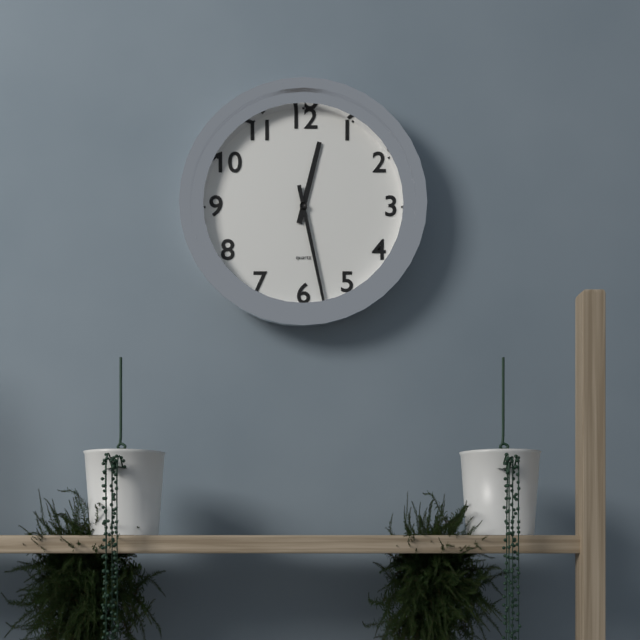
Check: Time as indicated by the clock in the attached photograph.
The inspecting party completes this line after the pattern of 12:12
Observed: 12:28
